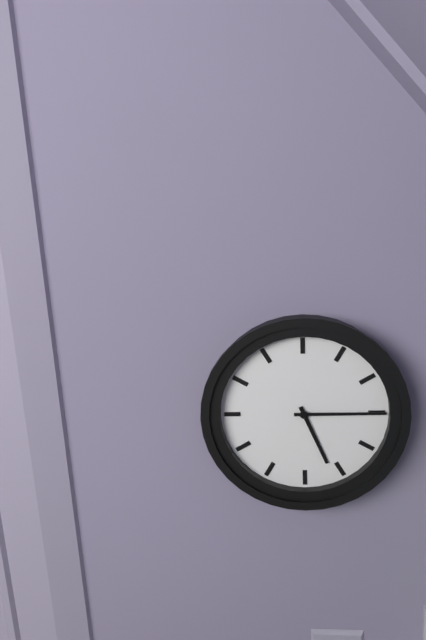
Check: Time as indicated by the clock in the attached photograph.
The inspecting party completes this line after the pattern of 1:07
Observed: 5:15
